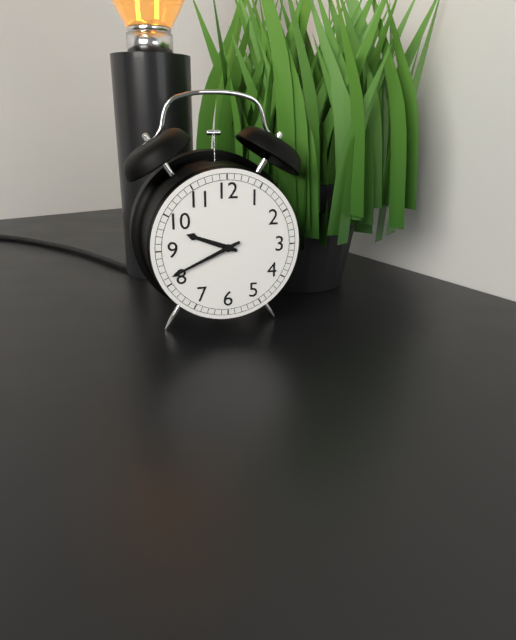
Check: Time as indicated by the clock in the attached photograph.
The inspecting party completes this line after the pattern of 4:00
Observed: 9:41
